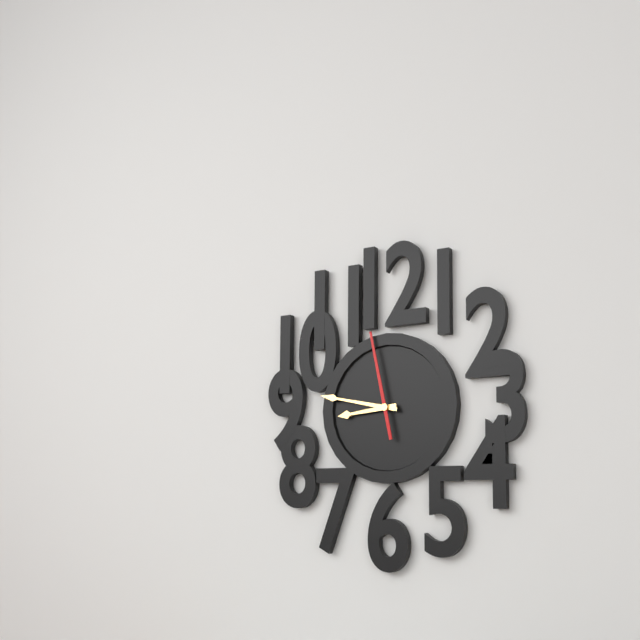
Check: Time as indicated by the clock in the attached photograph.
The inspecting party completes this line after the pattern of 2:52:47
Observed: 8:47:58
